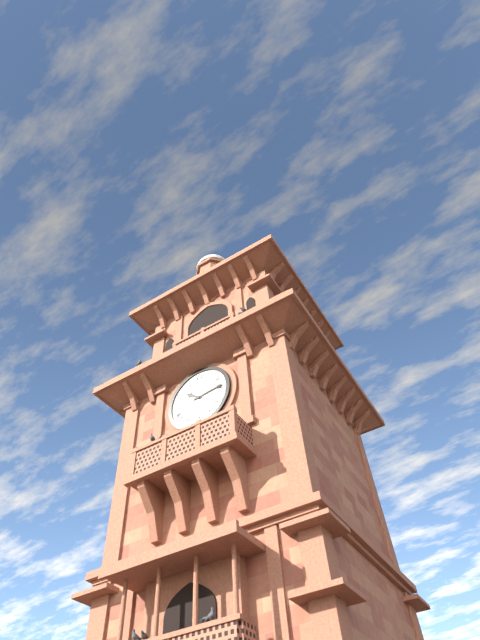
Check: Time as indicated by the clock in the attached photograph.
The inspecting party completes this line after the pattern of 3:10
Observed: 10:14
